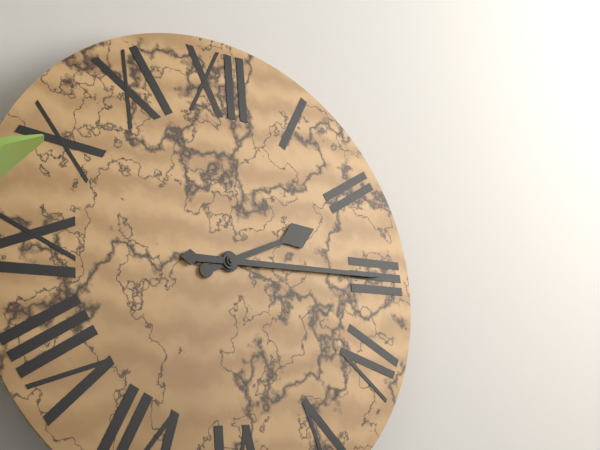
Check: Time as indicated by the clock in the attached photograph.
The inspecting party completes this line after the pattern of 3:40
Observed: 2:15
